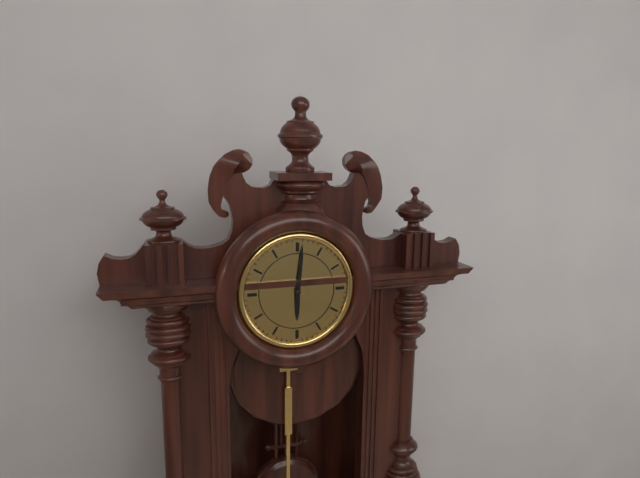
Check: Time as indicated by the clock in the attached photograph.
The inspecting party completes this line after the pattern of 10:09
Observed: 6:01
